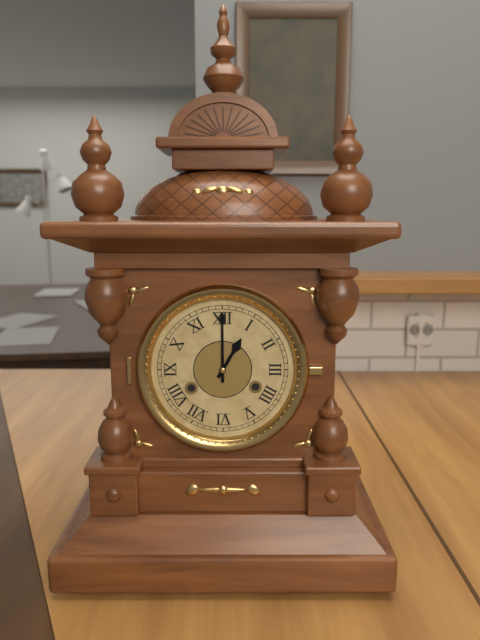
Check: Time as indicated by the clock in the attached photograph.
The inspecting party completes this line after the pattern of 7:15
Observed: 1:00
